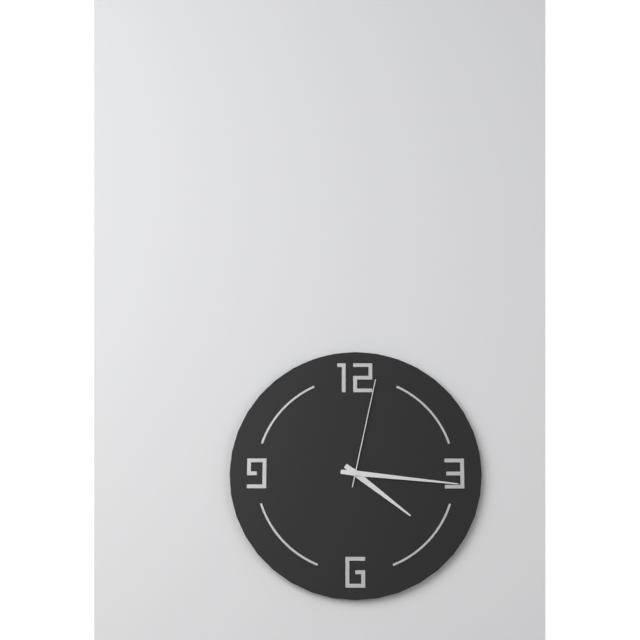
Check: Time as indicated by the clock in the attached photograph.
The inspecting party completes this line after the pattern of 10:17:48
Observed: 4:16:02
